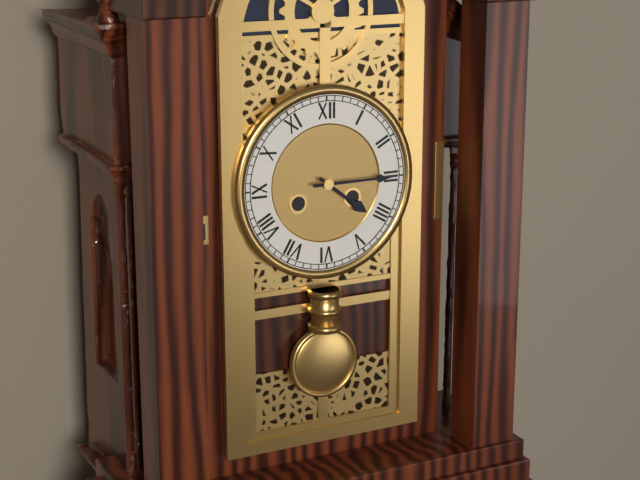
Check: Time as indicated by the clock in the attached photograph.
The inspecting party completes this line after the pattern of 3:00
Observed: 4:15
